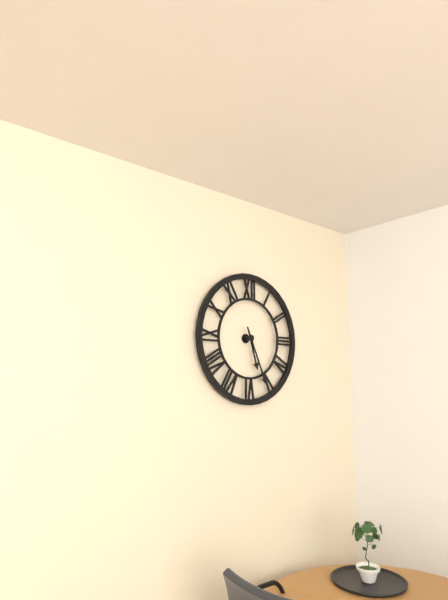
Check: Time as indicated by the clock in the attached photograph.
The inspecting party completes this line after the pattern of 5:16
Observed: 5:26
